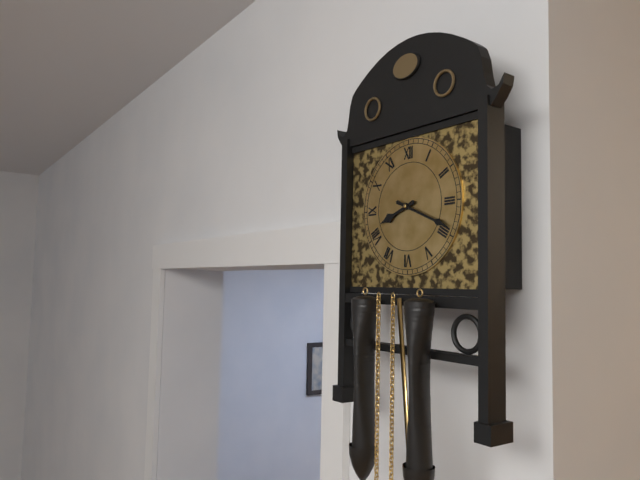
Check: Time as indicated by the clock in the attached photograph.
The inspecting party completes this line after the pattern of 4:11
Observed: 8:19
